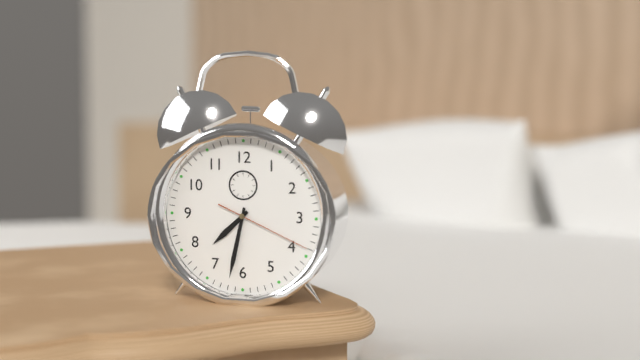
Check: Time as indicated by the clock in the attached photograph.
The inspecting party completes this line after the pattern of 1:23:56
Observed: 7:32:19
